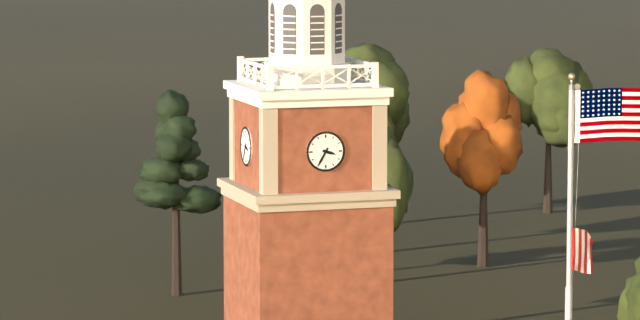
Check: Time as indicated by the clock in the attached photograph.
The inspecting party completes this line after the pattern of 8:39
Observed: 3:35
